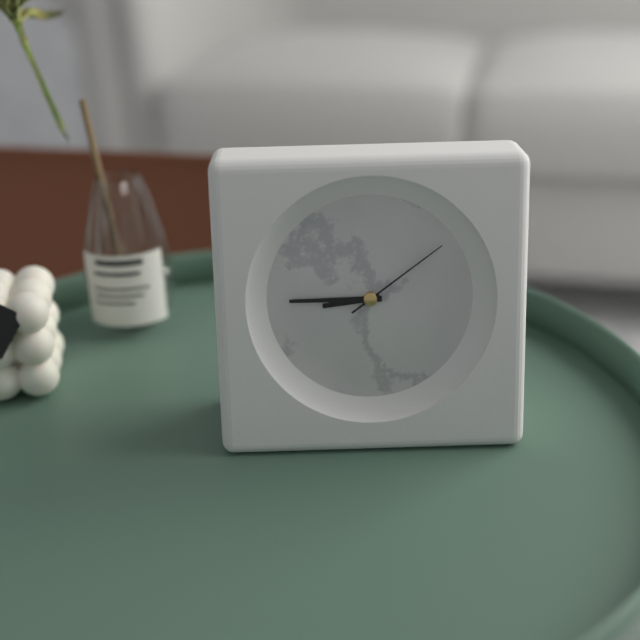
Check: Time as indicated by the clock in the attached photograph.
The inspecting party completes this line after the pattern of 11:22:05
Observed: 8:45:09
